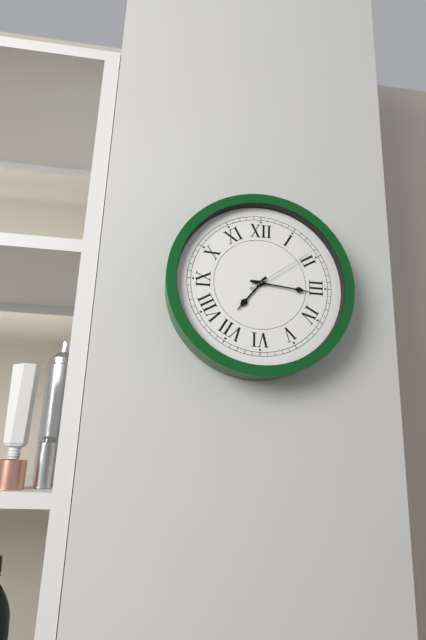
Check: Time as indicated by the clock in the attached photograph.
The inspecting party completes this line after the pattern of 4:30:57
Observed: 7:16:09
